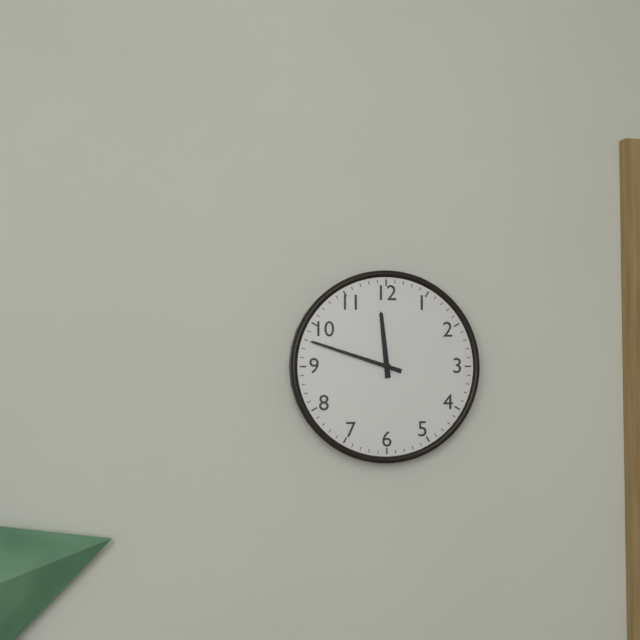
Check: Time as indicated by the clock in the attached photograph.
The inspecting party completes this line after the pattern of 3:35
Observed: 11:48
